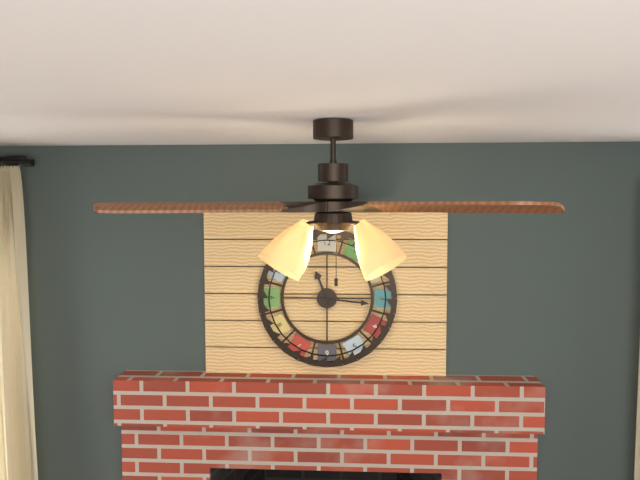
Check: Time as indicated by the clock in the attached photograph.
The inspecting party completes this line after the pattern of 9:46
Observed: 11:16
